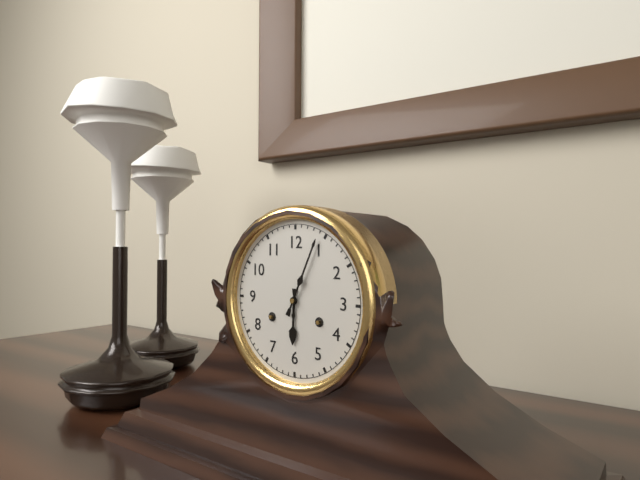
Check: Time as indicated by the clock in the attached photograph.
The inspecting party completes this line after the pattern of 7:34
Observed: 6:04
